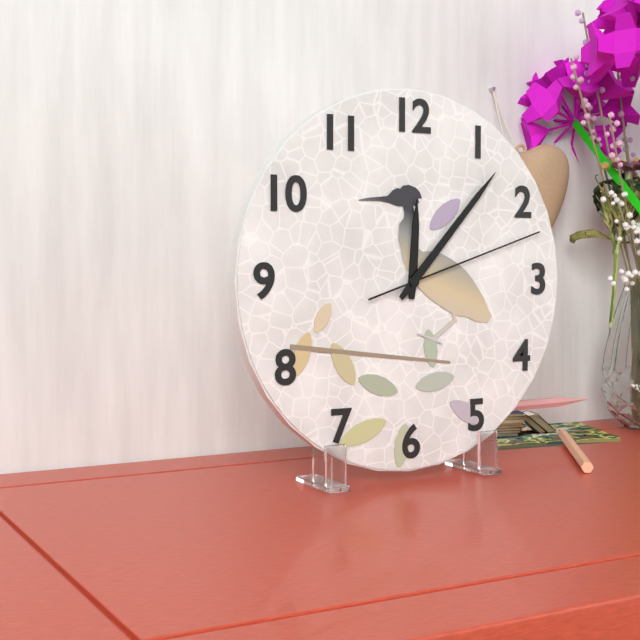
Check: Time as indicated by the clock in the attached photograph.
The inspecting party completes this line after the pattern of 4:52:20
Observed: 12:07:12
